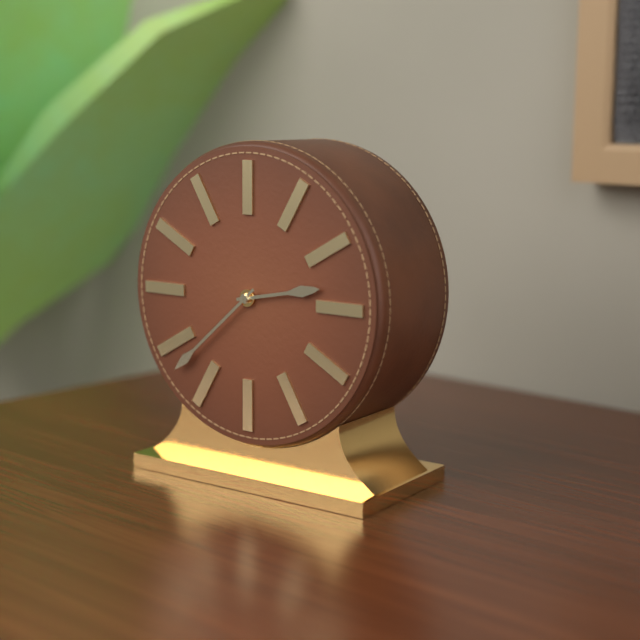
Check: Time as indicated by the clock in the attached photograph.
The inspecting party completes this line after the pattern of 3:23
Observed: 2:38
